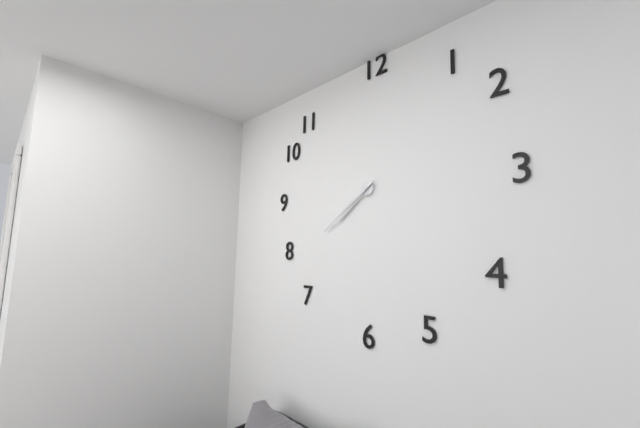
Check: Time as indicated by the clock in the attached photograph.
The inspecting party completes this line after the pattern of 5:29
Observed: 7:39
